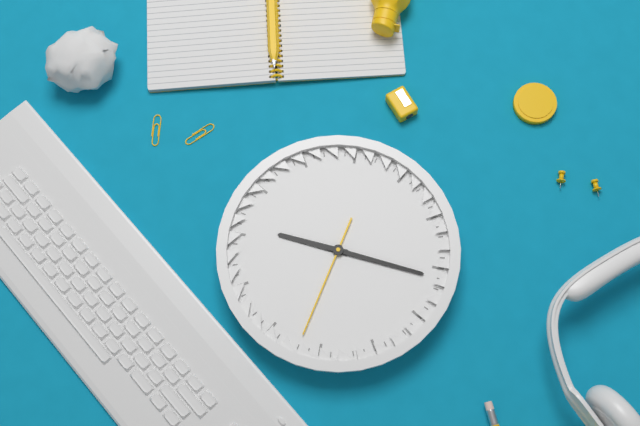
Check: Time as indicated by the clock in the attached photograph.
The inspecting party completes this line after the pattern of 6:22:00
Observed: 8:11:27
